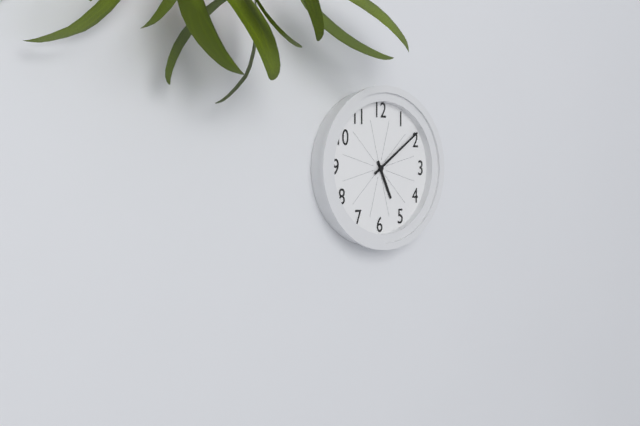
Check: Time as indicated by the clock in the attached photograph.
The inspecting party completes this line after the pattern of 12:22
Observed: 5:09
